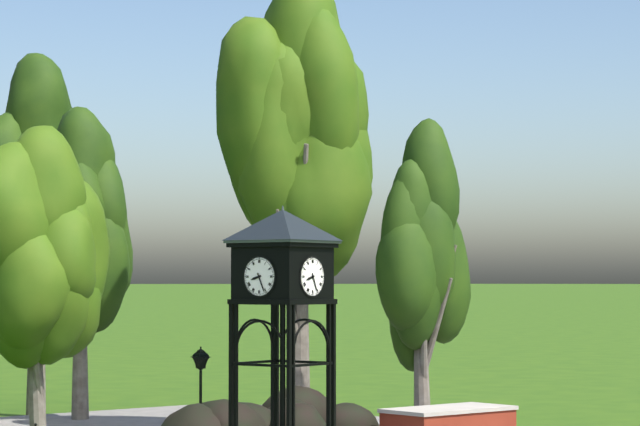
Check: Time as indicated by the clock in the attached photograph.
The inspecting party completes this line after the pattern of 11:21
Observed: 8:26
